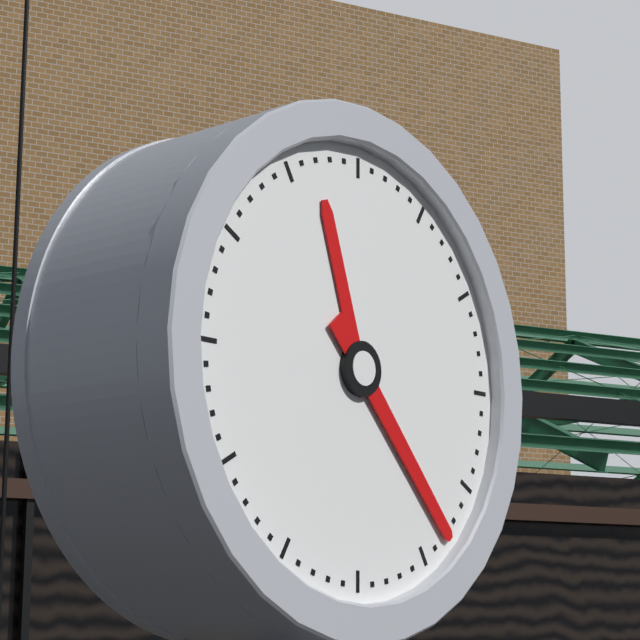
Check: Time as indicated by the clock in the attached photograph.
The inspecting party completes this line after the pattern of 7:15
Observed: 11:23
